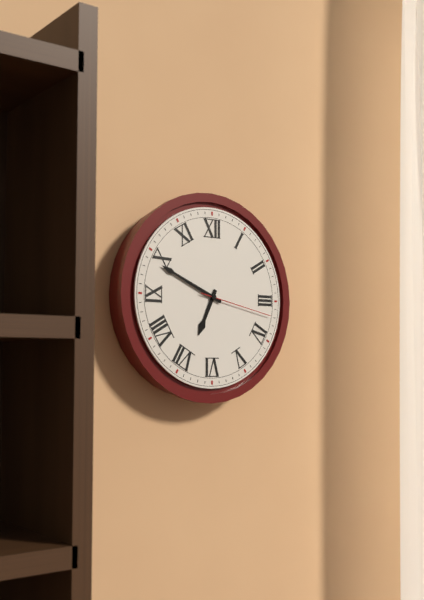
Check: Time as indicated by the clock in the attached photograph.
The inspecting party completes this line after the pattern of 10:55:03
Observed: 6:49:17
